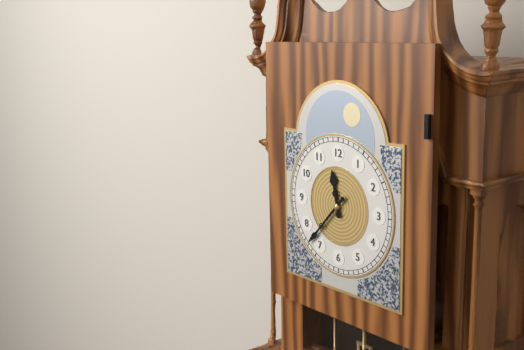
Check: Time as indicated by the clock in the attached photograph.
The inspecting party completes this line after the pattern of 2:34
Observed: 11:37
